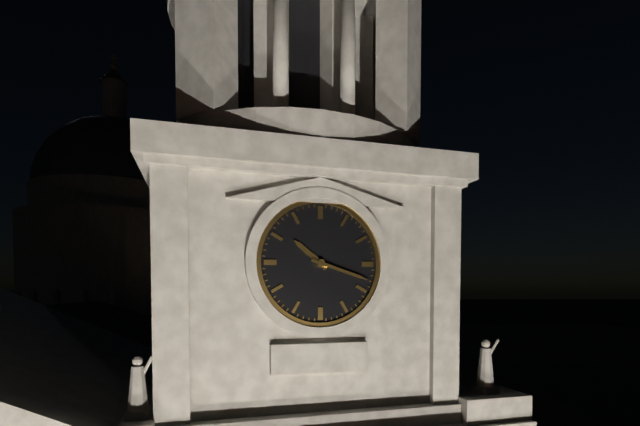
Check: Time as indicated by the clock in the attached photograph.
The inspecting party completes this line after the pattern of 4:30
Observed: 10:18
